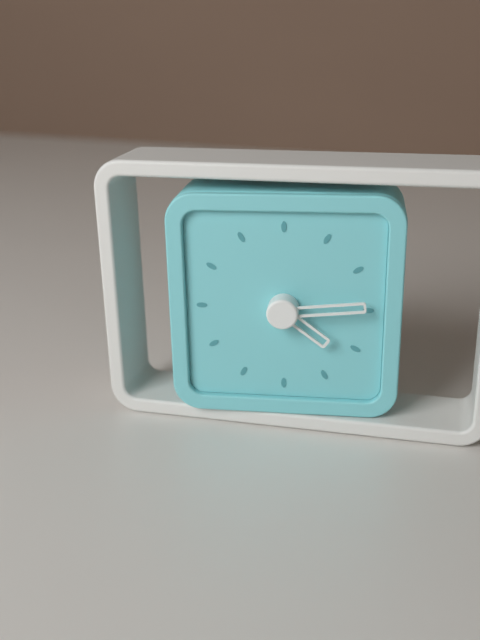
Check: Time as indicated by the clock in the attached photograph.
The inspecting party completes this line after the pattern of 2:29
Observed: 4:14
